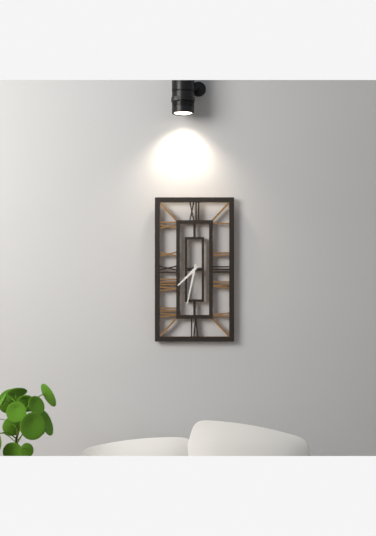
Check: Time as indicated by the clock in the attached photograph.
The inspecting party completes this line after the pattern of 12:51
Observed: 7:32
